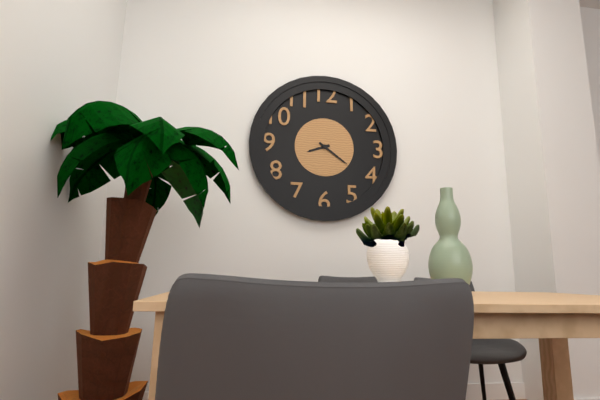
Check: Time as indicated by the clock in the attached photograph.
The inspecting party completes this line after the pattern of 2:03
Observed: 8:21
